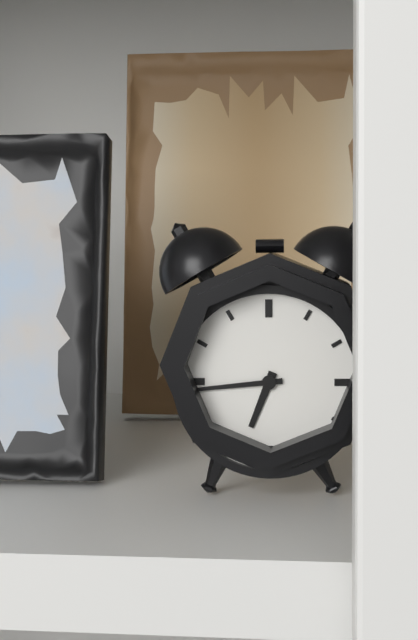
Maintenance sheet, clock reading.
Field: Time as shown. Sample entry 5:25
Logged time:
6:44
